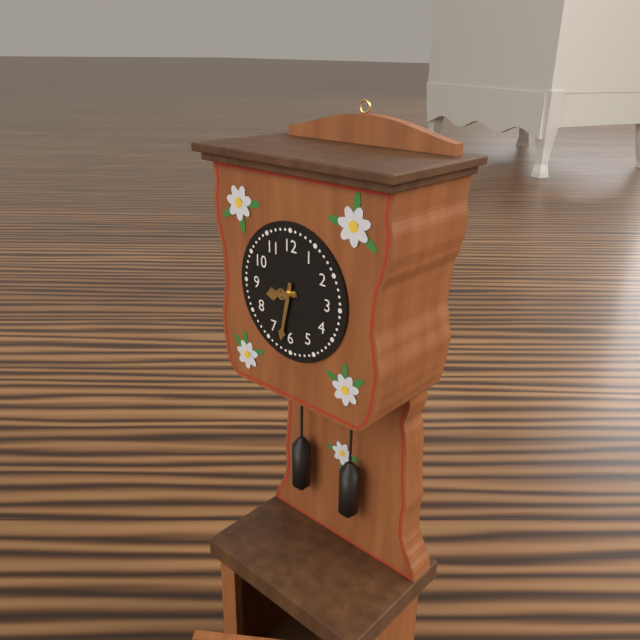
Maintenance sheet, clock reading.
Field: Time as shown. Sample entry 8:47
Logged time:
8:32
